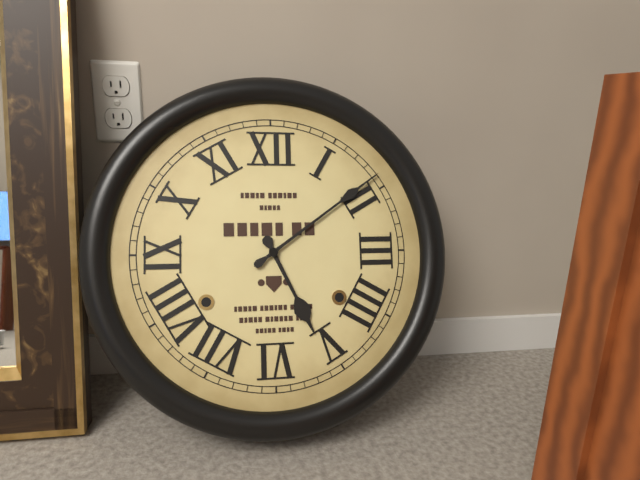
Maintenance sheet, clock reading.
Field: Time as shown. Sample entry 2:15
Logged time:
5:09
